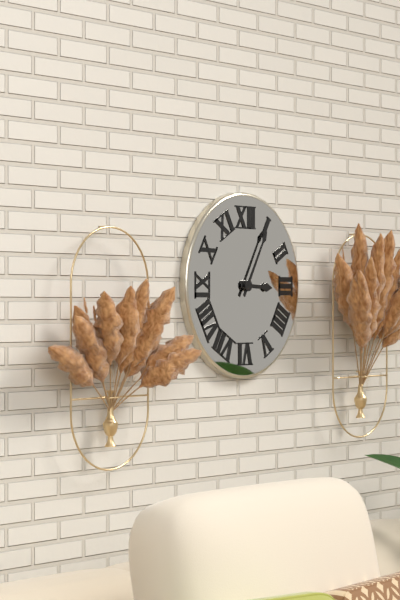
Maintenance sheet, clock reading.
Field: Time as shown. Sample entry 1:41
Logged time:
3:05
